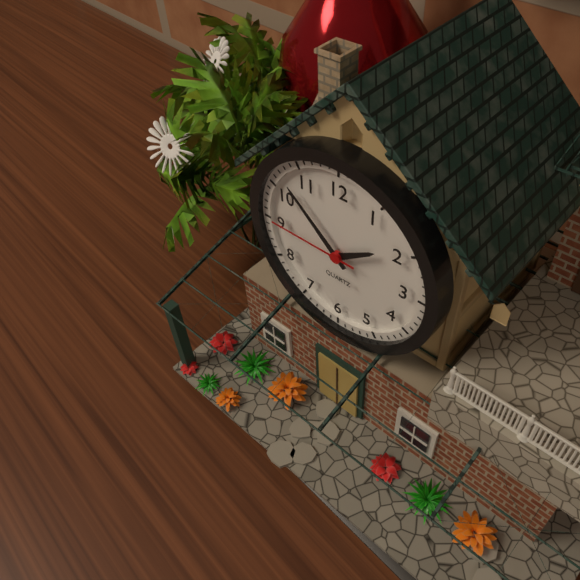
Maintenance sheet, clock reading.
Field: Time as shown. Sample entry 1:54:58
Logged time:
1:52:45
